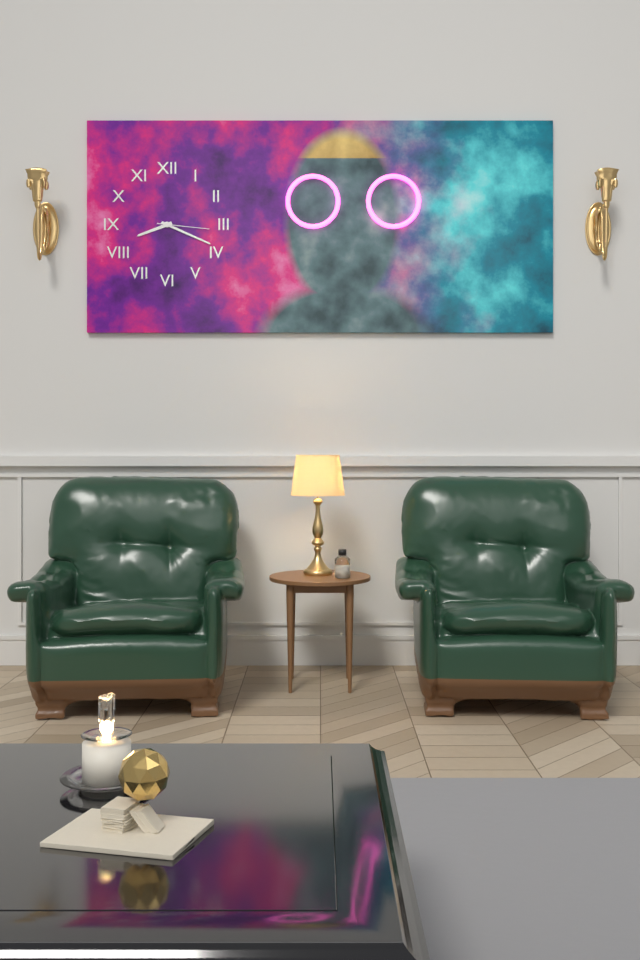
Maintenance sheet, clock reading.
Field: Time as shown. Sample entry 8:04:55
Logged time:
8:19:16
